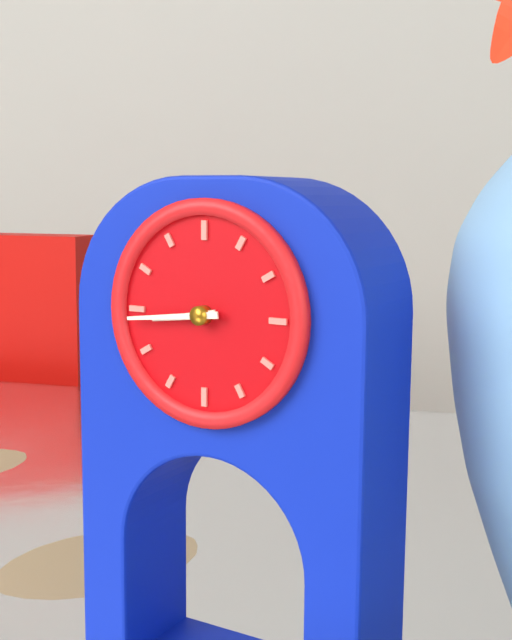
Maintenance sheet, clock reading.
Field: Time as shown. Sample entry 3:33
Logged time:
8:44
